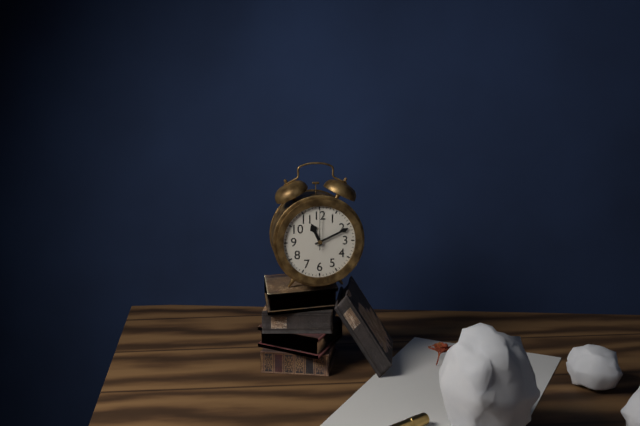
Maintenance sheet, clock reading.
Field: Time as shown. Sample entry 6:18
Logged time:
11:11
